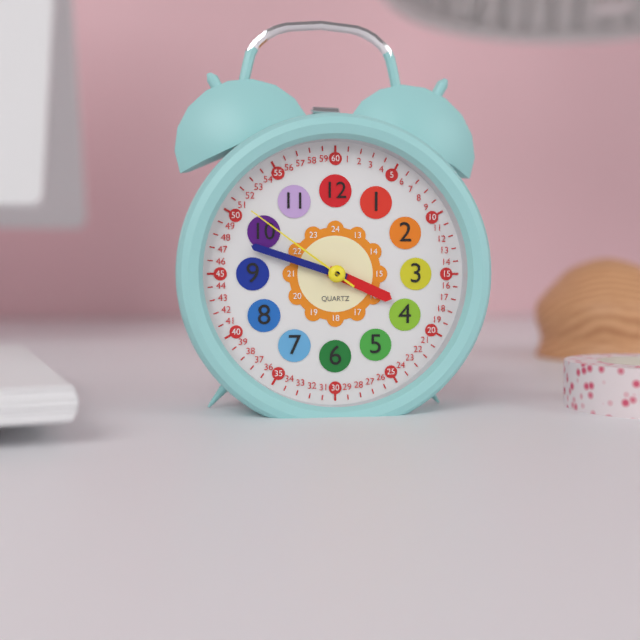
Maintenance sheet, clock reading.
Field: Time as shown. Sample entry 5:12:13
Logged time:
3:48:51
